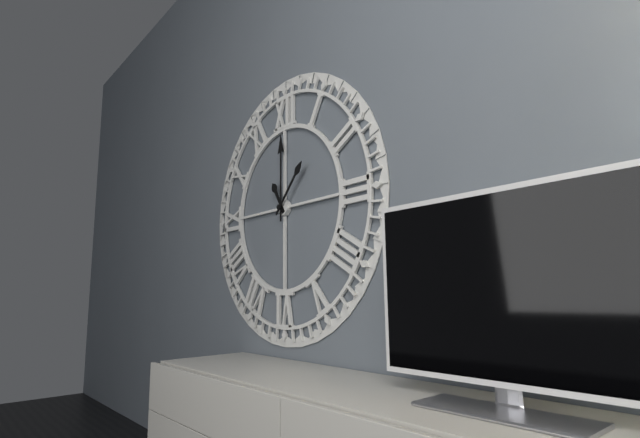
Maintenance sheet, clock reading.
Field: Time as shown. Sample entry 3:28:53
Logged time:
11:00:07
